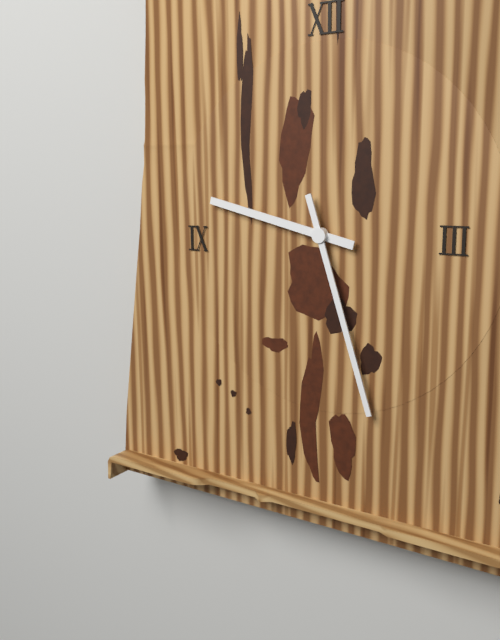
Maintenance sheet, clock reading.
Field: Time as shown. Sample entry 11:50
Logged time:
9:27
